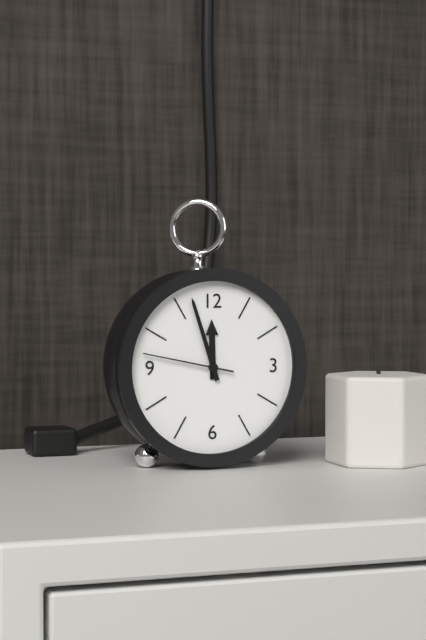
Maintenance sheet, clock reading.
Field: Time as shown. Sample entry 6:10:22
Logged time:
11:57:47
